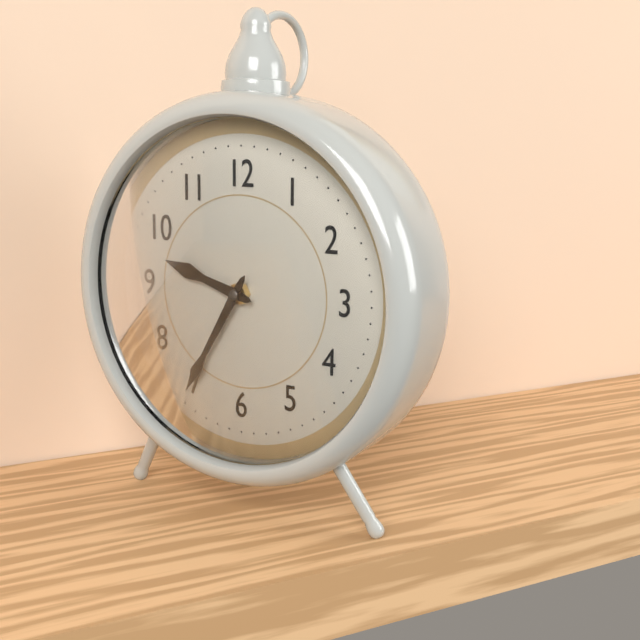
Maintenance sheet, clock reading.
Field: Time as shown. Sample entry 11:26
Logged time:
9:35
